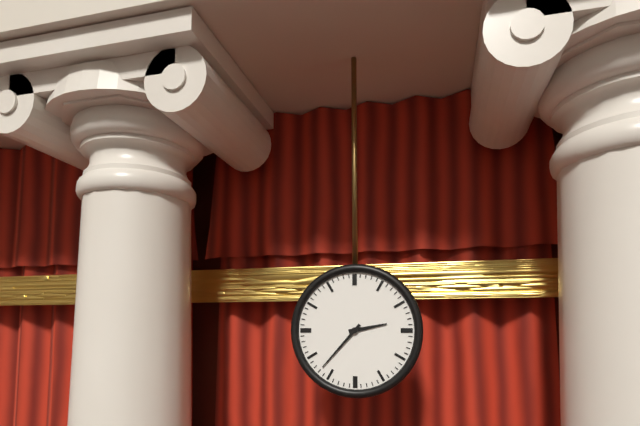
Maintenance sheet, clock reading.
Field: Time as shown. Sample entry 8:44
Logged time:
2:37
